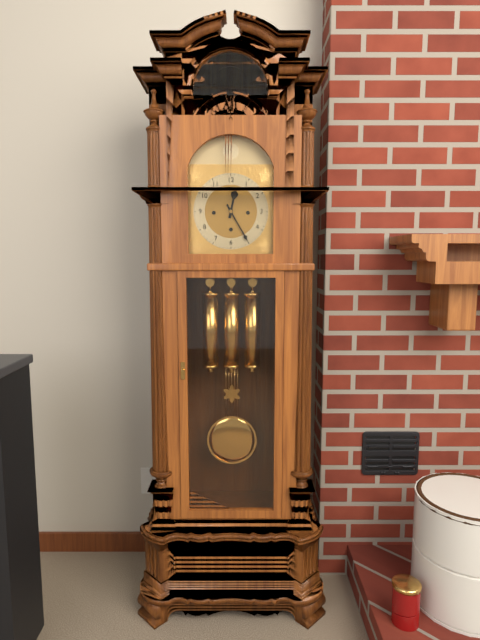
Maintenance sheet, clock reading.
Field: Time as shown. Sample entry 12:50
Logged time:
12:25
